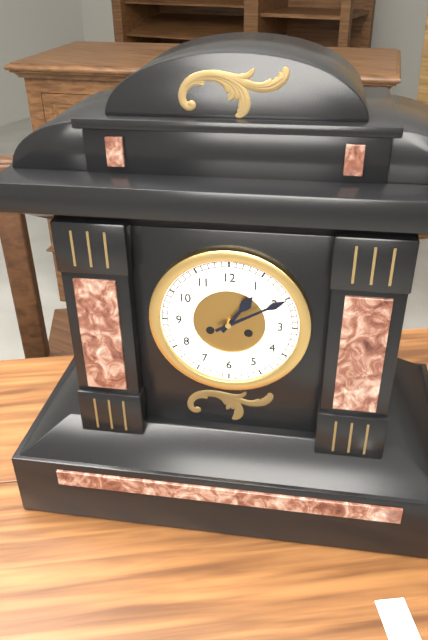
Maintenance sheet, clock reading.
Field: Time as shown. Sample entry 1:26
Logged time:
1:10
